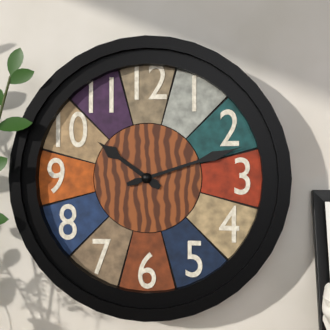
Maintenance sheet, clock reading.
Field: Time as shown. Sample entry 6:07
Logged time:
10:12
